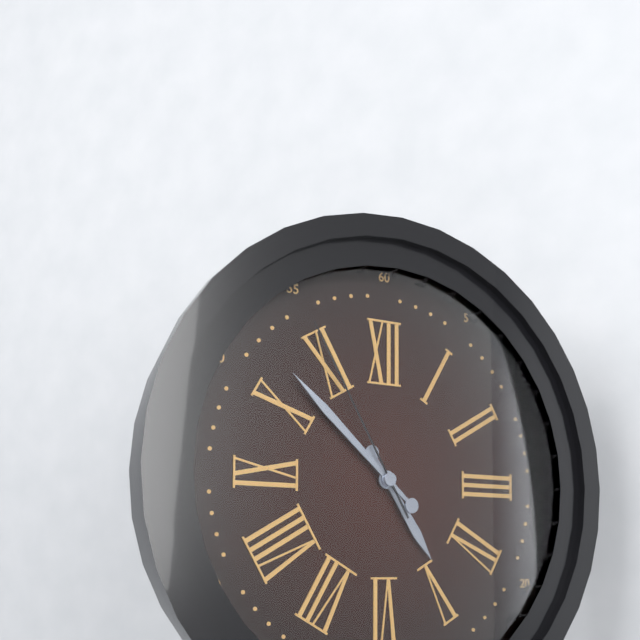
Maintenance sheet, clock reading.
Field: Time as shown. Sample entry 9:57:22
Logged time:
4:52:55
